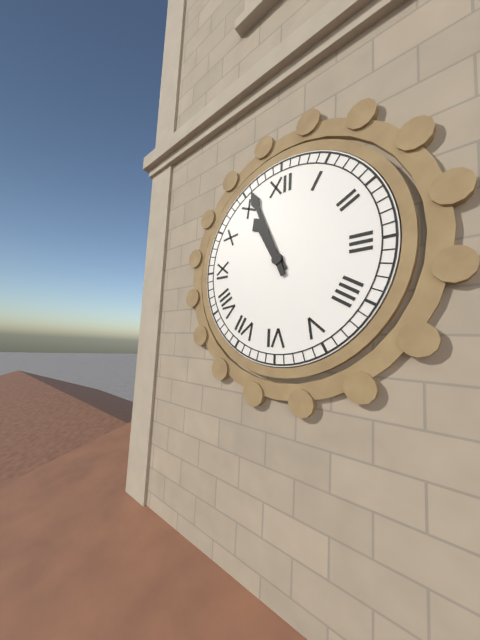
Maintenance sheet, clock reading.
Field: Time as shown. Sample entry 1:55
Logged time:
10:56
